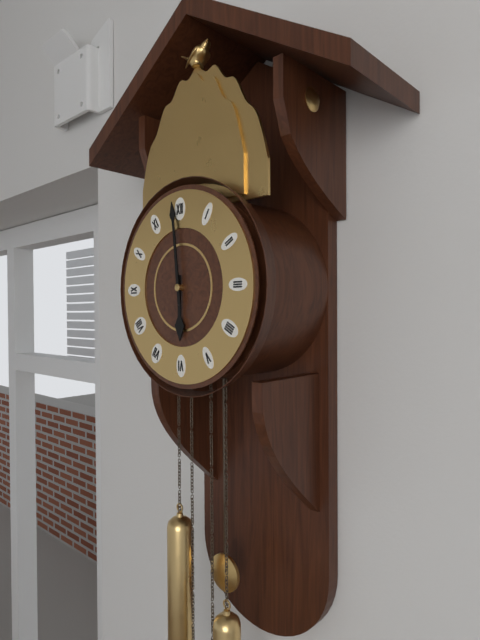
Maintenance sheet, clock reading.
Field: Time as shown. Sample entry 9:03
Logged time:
5:59
